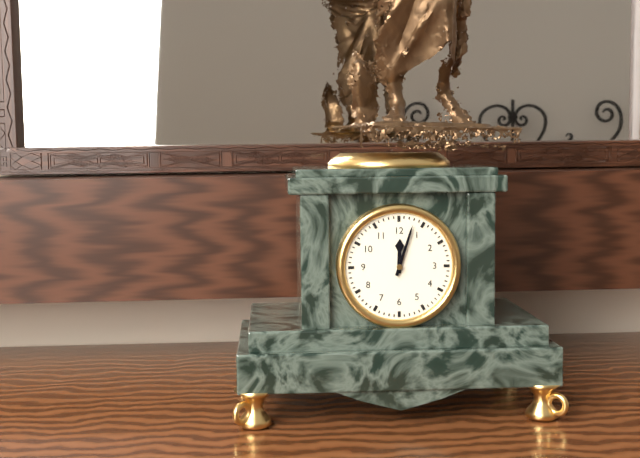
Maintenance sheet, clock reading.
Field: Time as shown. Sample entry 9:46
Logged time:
12:03
